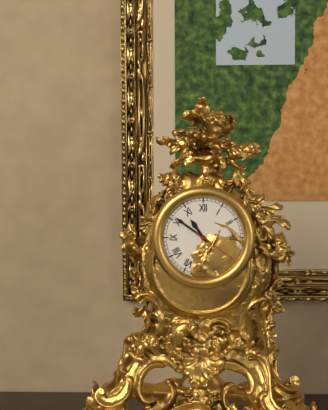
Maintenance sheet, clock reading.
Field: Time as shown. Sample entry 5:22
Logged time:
10:51
